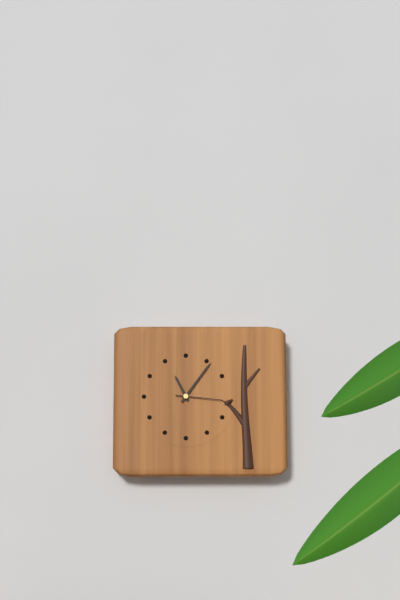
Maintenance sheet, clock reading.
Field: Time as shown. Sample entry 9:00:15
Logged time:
11:06:16
